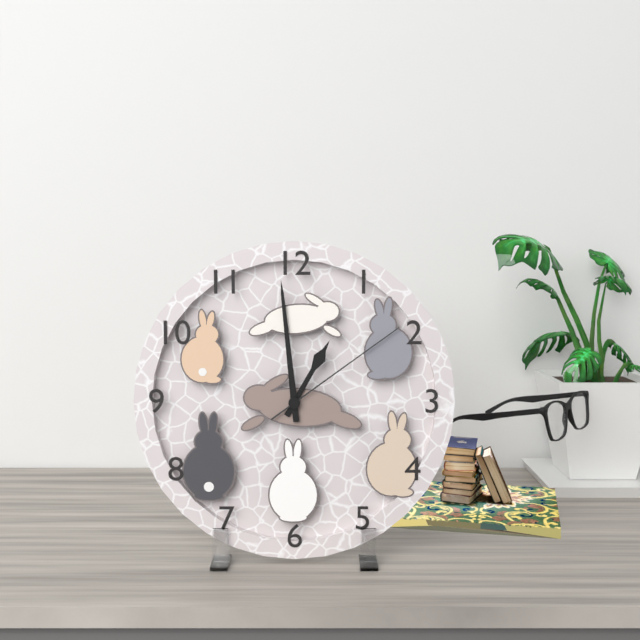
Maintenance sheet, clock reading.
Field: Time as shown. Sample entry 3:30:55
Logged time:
12:59:09
